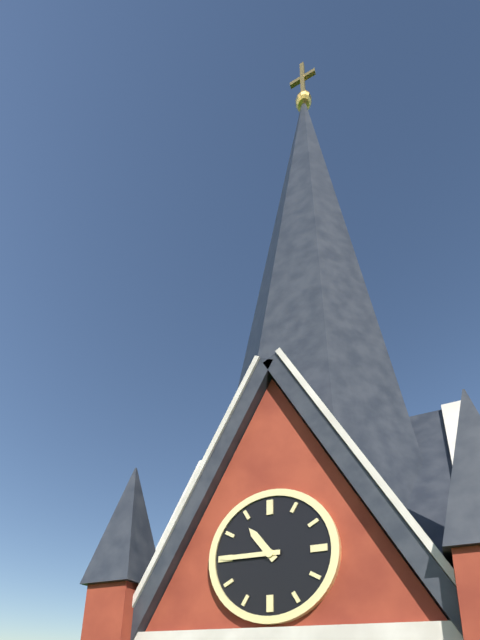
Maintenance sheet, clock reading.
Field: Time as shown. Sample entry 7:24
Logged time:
10:45
